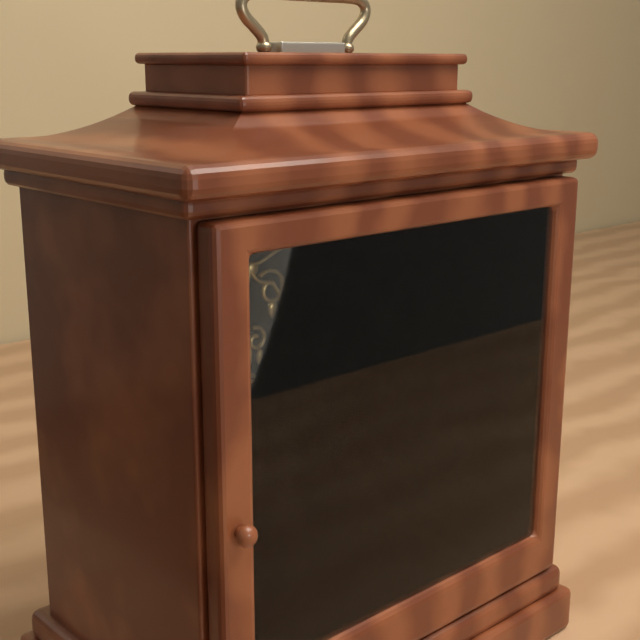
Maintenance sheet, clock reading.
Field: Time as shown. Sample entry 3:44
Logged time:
1:36
